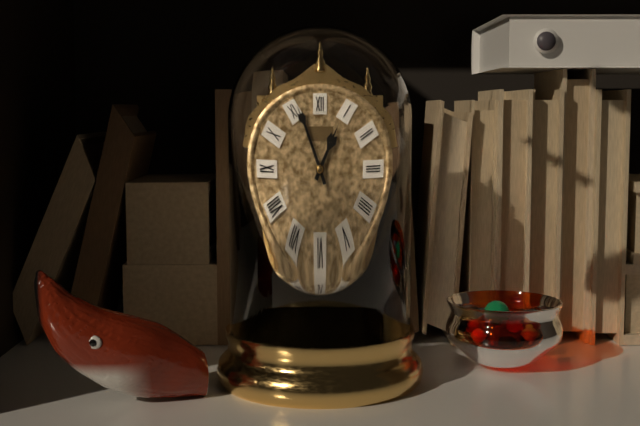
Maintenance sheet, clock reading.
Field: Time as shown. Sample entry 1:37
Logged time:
12:56
